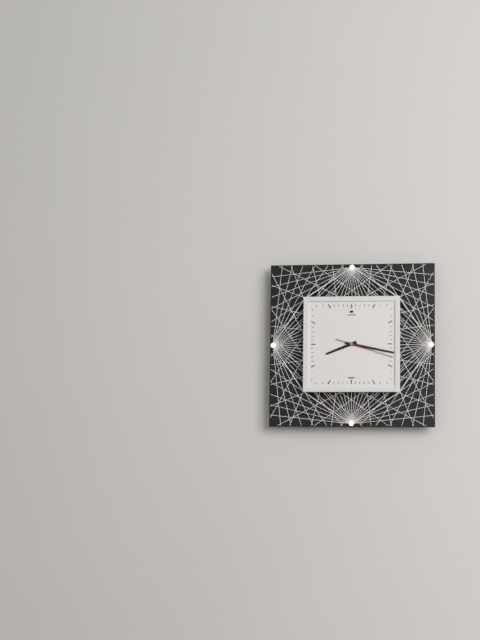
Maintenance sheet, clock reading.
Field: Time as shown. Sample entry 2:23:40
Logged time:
8:17:18
